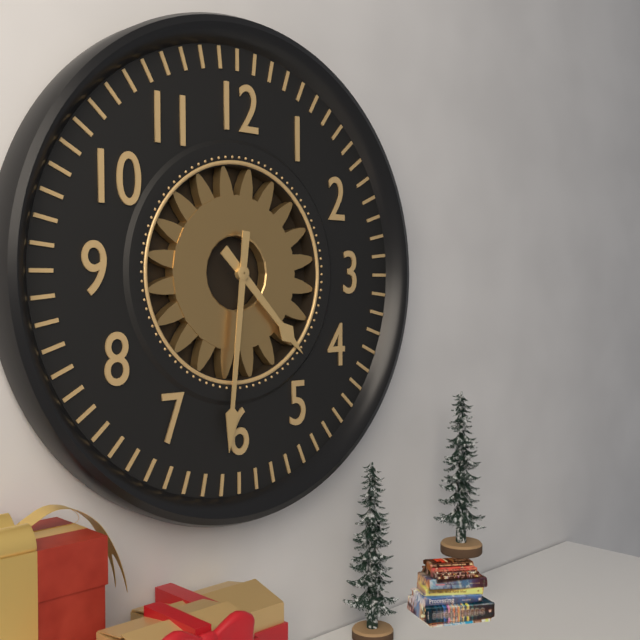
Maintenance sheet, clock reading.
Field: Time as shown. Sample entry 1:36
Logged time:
4:31
